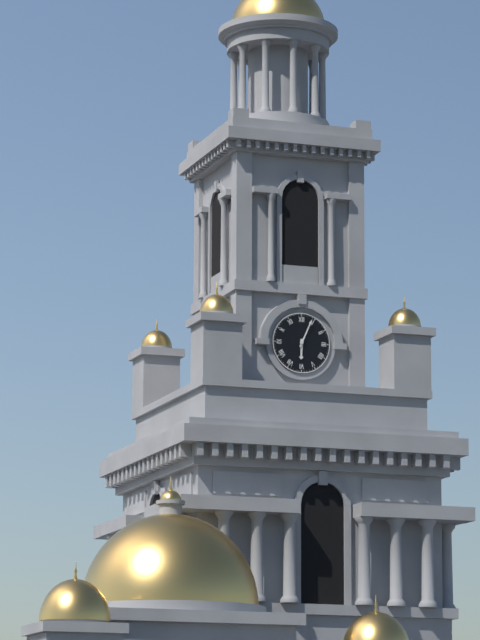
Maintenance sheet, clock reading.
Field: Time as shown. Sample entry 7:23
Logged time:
6:04
